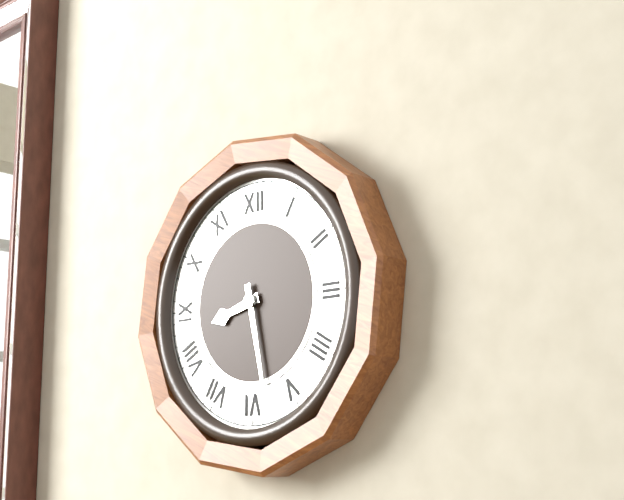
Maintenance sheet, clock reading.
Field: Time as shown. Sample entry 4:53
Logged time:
8:28
